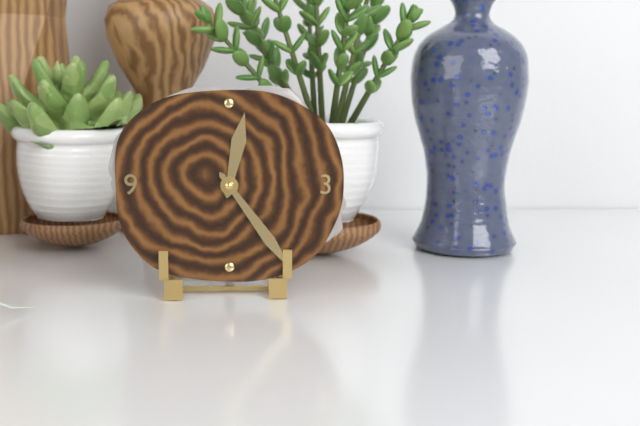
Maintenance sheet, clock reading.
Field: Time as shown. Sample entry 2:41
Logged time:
12:24
